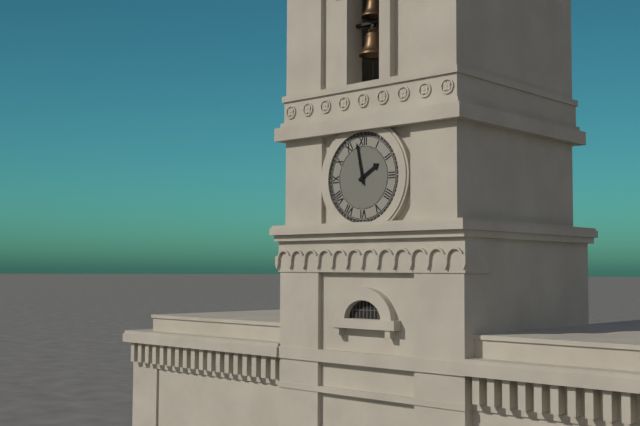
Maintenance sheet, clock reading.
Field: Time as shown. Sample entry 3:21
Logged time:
1:58
